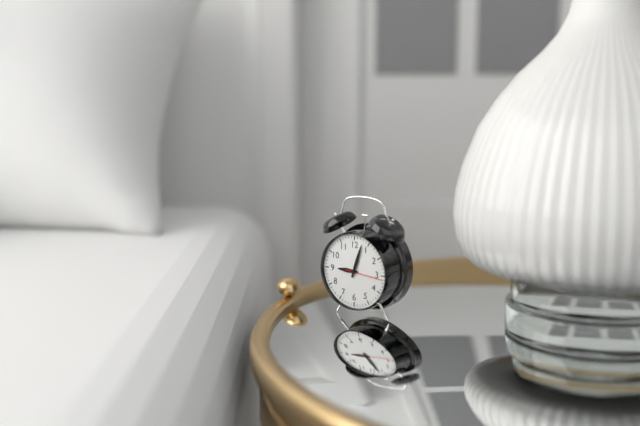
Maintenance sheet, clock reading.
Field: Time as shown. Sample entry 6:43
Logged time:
9:03
